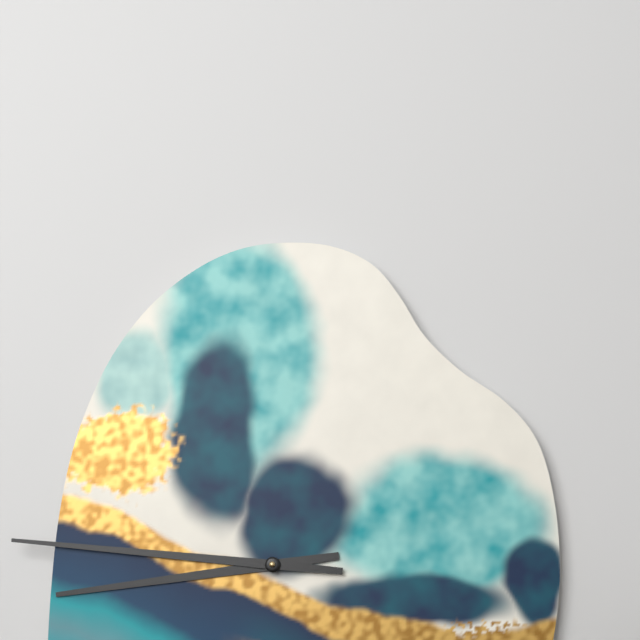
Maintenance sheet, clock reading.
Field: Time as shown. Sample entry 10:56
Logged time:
8:46
